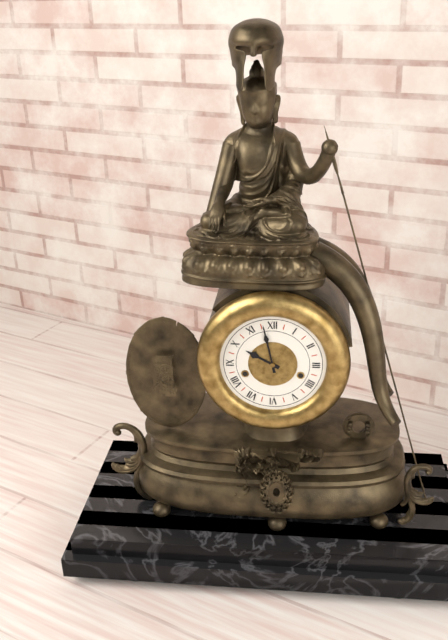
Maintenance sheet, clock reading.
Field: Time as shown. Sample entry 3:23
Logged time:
9:58
